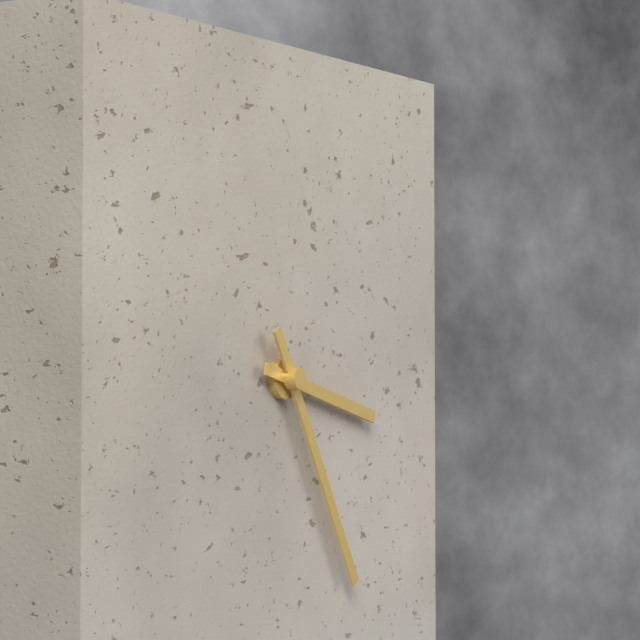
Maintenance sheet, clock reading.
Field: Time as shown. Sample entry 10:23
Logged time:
3:25
